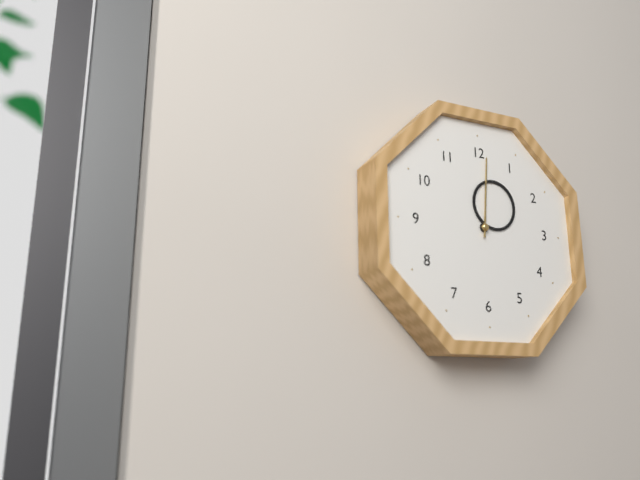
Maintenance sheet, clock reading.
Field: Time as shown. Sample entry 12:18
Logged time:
1:01
